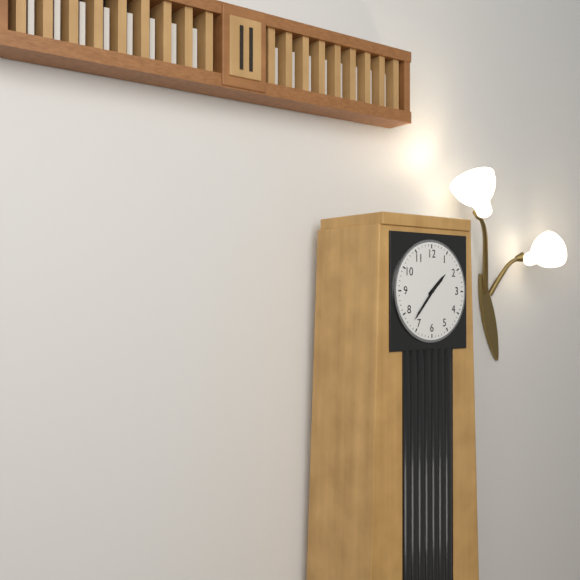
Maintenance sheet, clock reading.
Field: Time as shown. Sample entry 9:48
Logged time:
1:37
